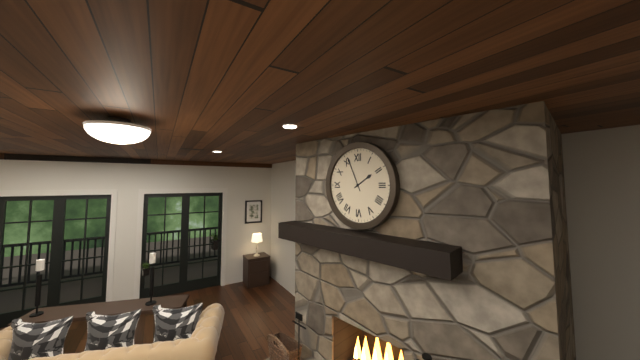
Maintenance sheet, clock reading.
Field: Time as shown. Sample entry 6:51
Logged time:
1:56
